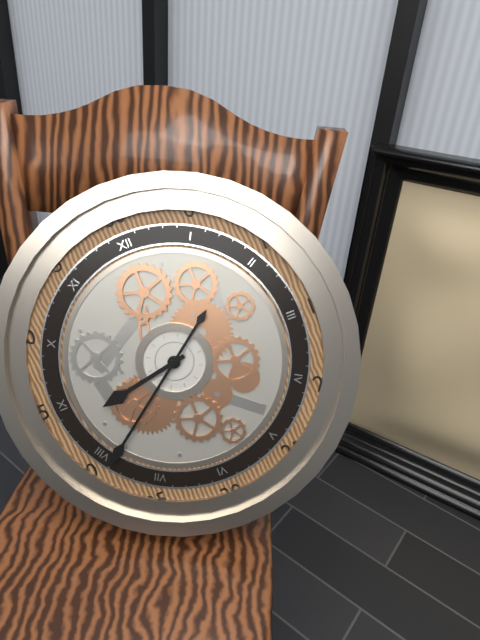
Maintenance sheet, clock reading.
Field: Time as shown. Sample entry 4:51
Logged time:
8:39
